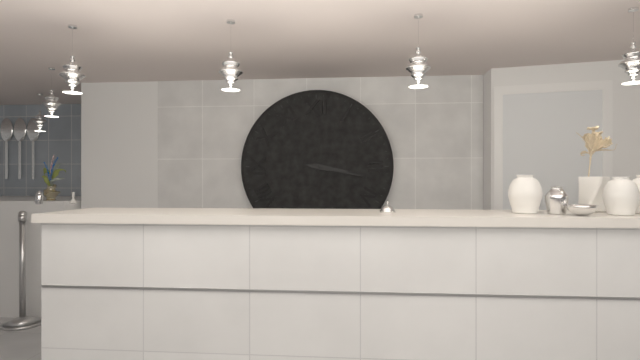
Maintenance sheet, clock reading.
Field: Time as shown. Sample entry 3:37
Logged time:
3:17
